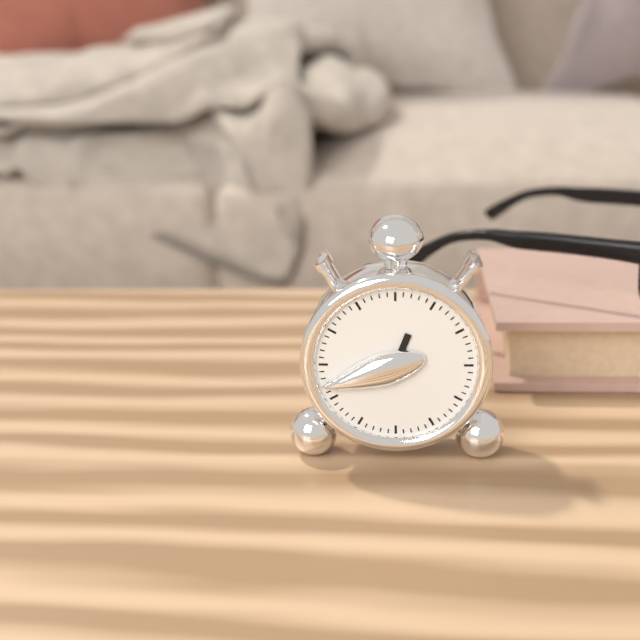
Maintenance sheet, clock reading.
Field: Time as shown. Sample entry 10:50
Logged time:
12:42
